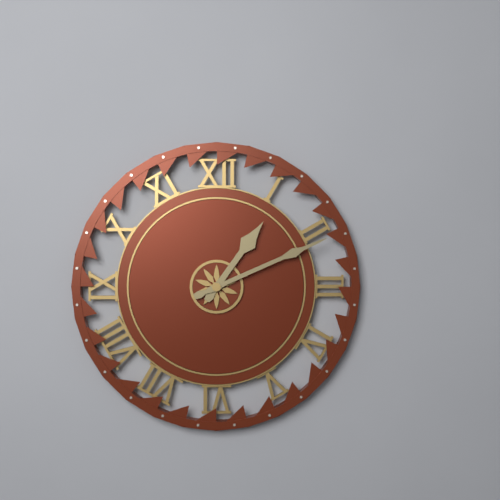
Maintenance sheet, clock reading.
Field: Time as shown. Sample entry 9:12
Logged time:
1:11
